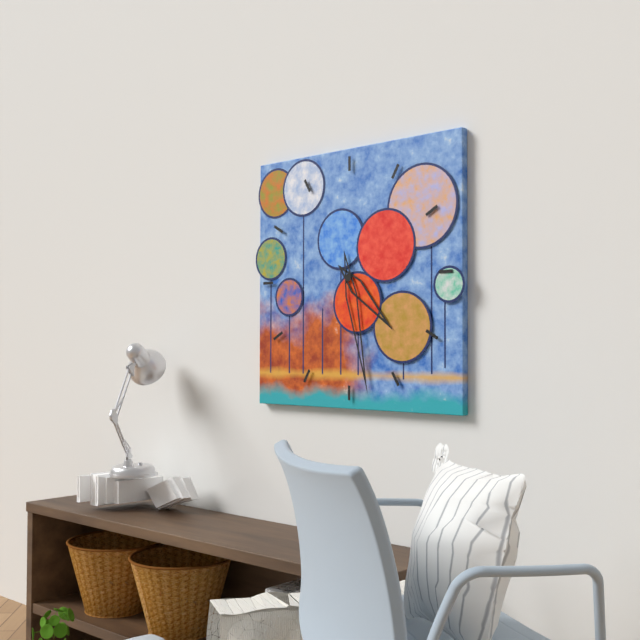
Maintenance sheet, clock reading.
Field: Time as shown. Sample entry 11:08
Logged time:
4:28
